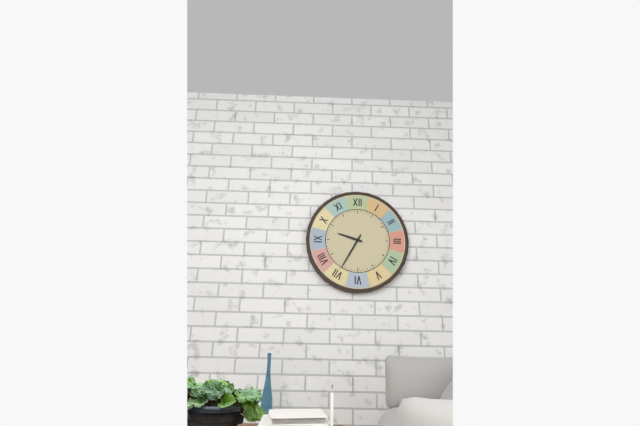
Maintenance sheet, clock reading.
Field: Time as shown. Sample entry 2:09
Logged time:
9:35
